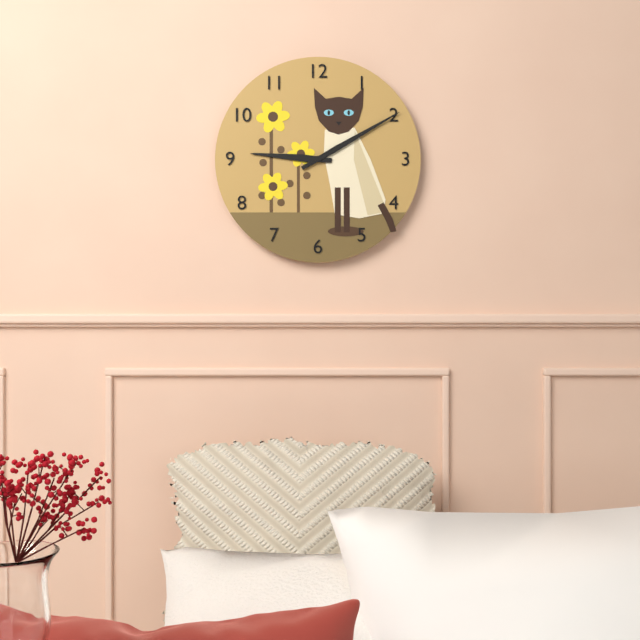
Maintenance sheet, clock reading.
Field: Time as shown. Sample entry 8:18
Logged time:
9:10
